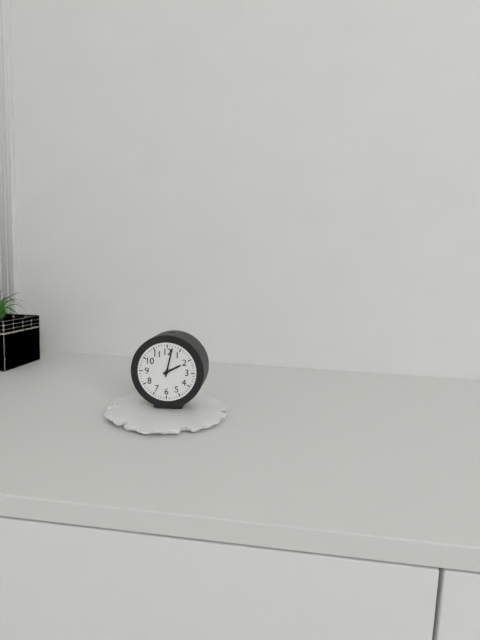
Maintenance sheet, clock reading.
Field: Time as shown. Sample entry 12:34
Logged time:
2:02
